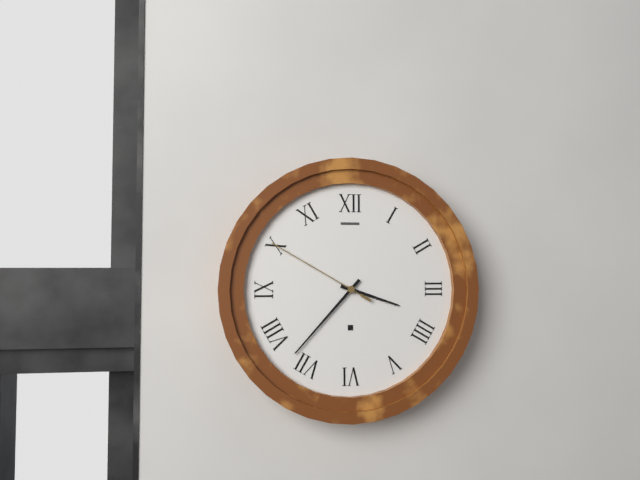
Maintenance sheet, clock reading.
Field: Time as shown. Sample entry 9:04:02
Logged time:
3:37:50
